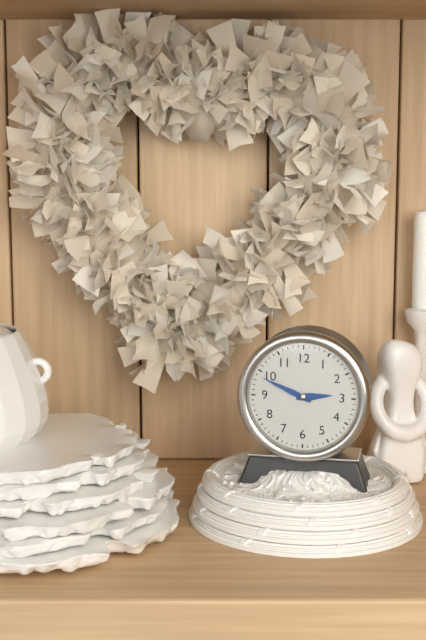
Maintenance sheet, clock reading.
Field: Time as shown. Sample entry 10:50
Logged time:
2:49
